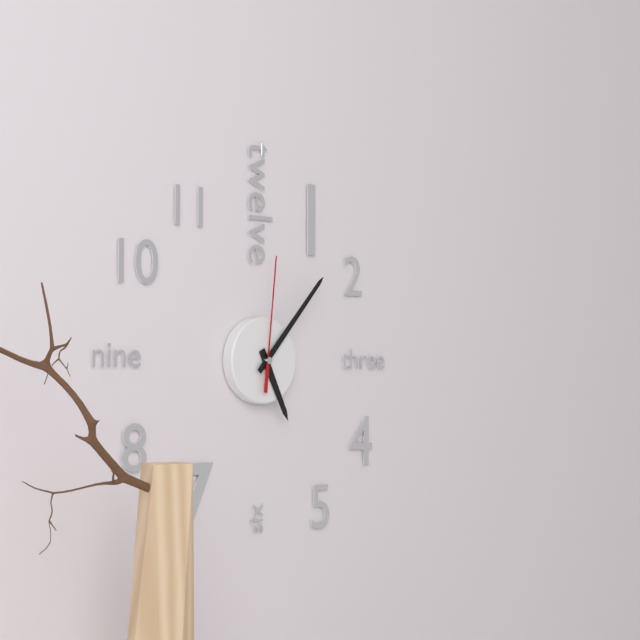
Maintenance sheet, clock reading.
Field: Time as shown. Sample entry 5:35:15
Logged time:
5:07:01
